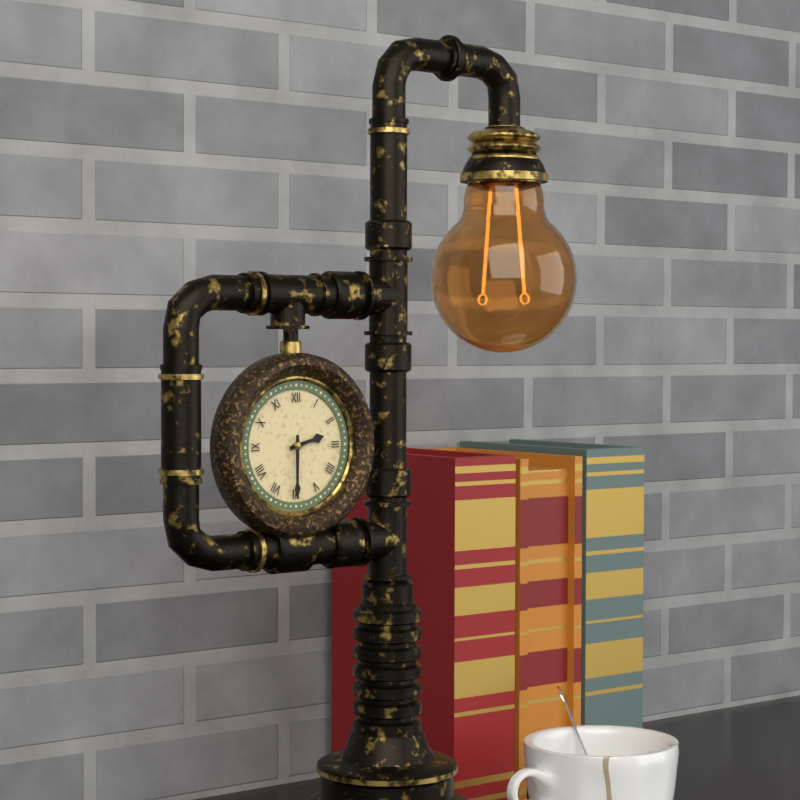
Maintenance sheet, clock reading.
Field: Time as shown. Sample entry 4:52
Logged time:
2:30
